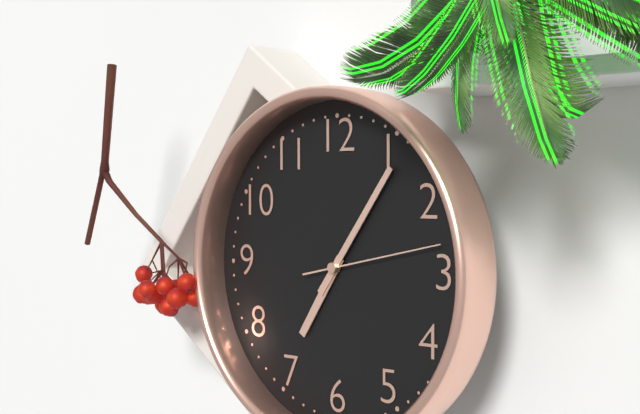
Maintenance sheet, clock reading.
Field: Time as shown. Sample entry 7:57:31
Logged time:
7:06:13
